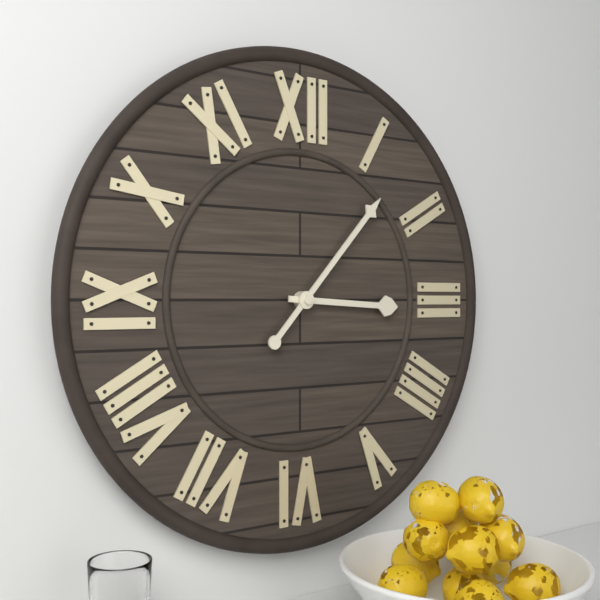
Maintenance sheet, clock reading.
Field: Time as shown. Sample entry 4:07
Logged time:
3:07
